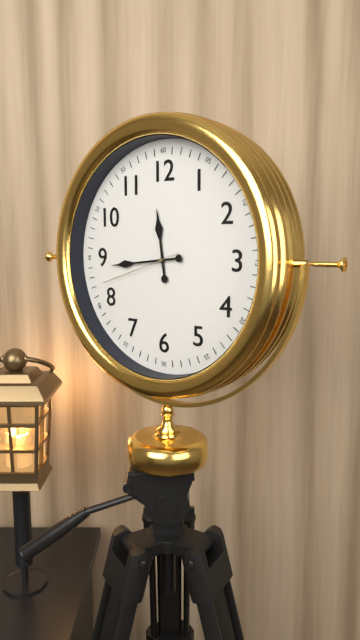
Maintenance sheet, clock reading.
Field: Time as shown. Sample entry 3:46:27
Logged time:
11:44:42
